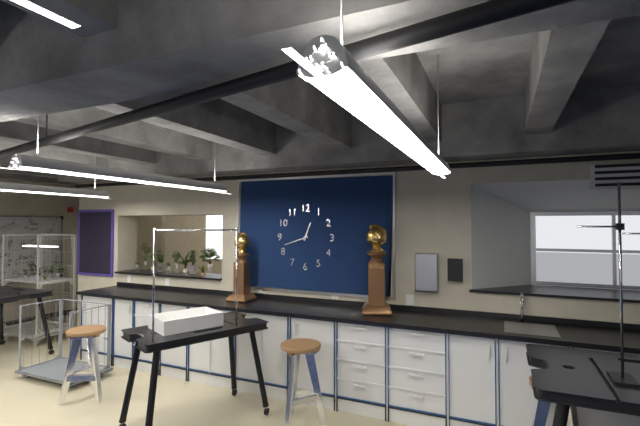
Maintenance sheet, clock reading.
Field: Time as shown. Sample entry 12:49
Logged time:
12:42
